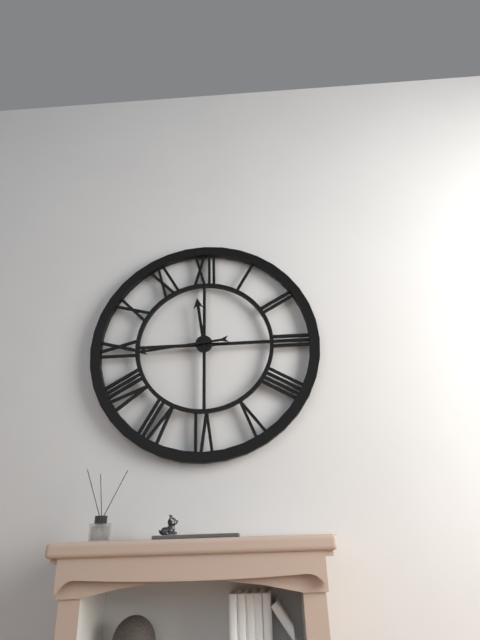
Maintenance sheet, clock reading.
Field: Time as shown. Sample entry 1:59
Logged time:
11:44
